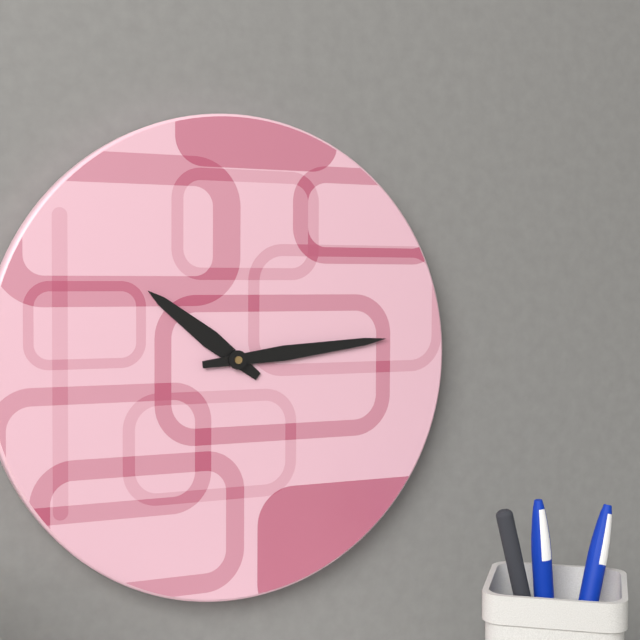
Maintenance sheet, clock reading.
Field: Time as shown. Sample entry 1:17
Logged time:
10:14
